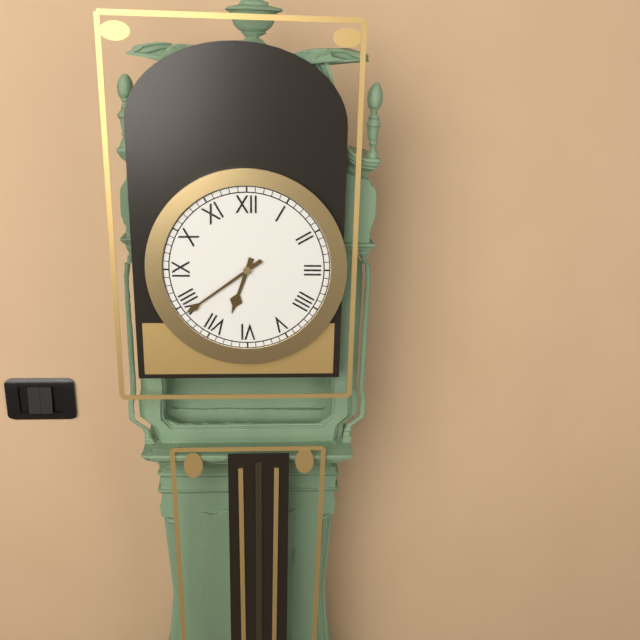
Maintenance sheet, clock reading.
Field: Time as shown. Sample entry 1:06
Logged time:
6:39
